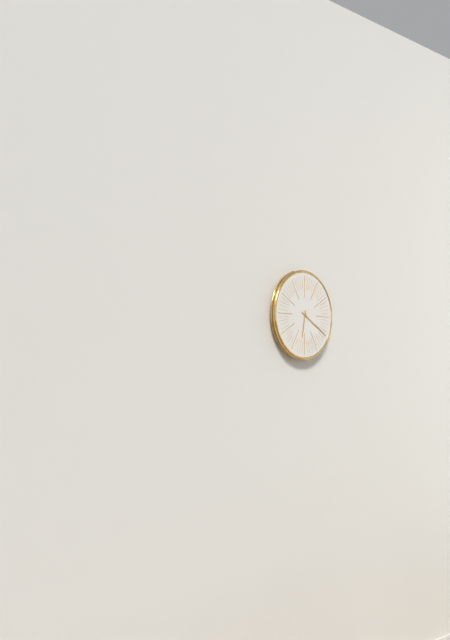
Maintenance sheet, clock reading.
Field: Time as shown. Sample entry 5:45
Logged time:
6:20
